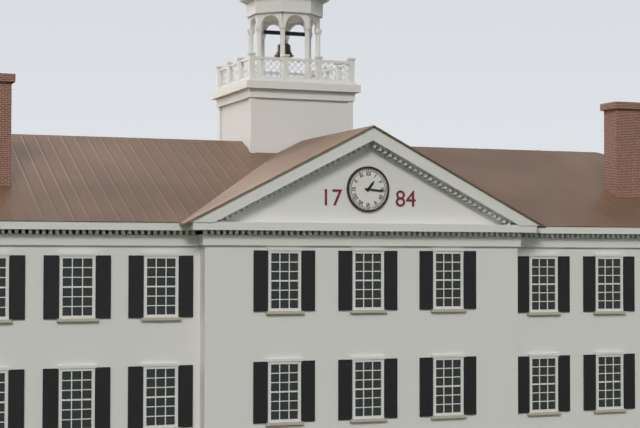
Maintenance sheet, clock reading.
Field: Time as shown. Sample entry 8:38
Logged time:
1:16
